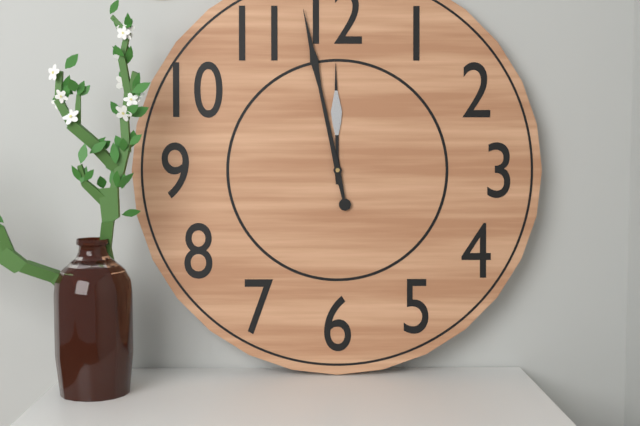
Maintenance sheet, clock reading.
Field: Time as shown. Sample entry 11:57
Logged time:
11:58
